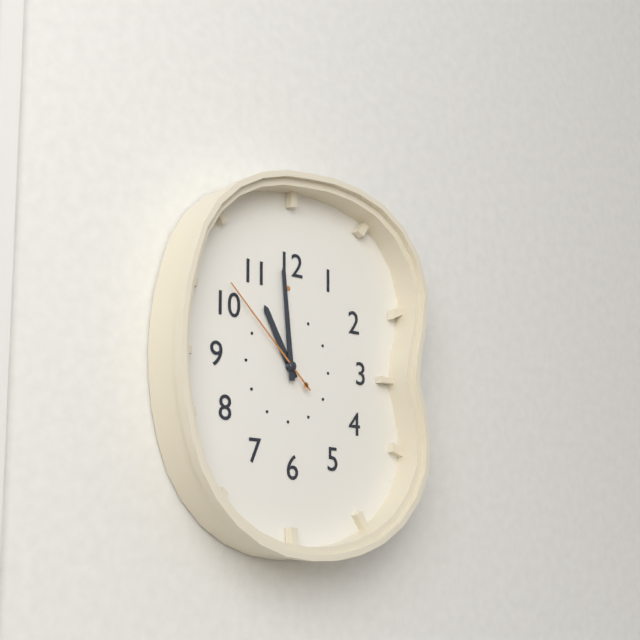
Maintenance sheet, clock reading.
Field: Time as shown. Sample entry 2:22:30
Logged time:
10:59:52
